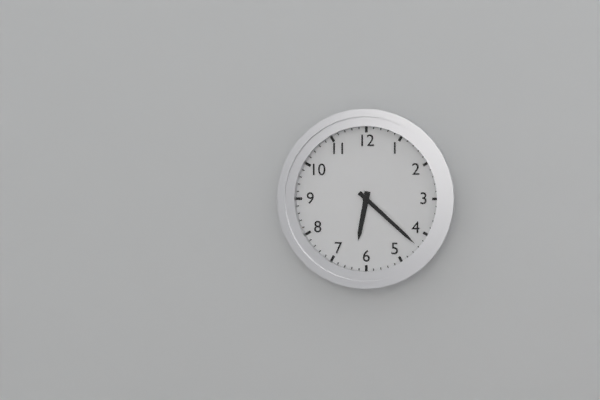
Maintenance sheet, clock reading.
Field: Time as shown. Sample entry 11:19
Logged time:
6:22
